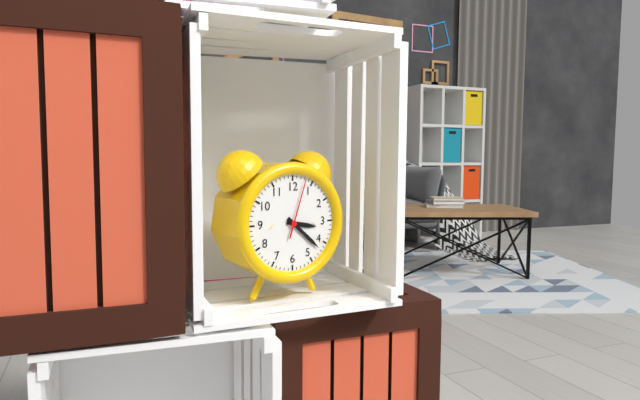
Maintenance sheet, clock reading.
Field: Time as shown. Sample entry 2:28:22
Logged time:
3:22:03
